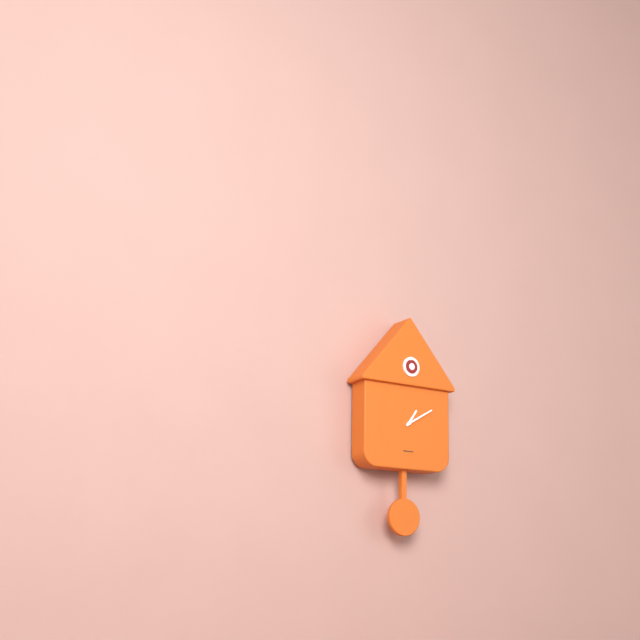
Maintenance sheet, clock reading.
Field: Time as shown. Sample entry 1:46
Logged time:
1:10
